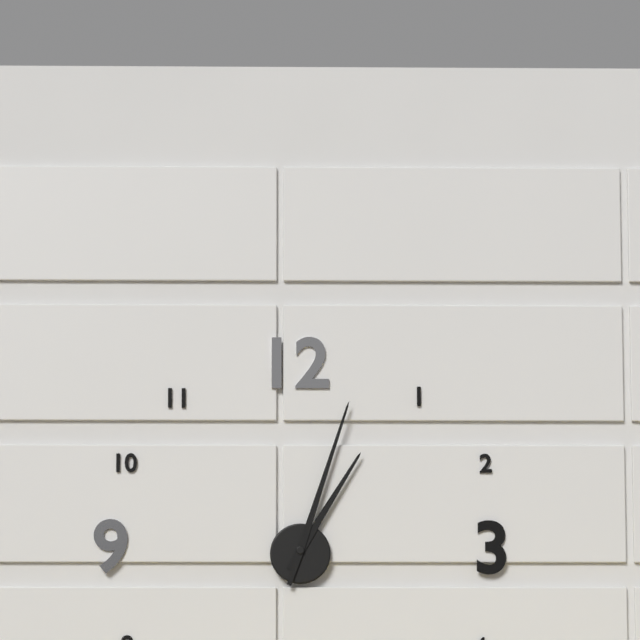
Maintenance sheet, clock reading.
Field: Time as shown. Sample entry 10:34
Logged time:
1:03
